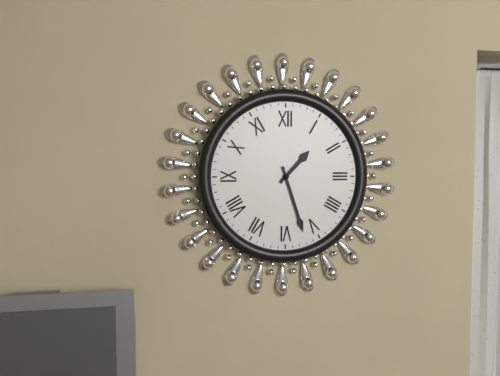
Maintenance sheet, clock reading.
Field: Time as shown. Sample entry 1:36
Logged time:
1:27
